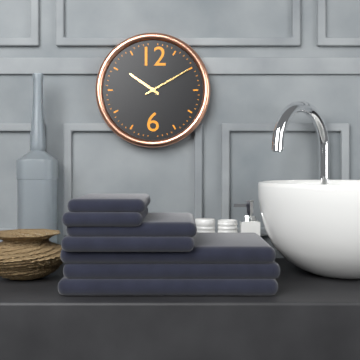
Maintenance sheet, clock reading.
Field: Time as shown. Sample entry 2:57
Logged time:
10:10
